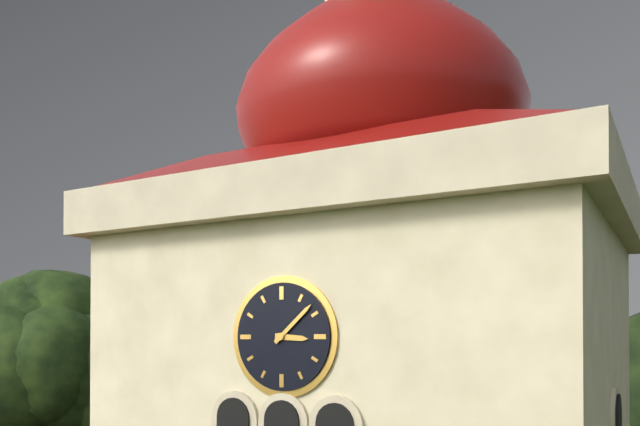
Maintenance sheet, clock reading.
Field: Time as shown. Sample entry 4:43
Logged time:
3:08
